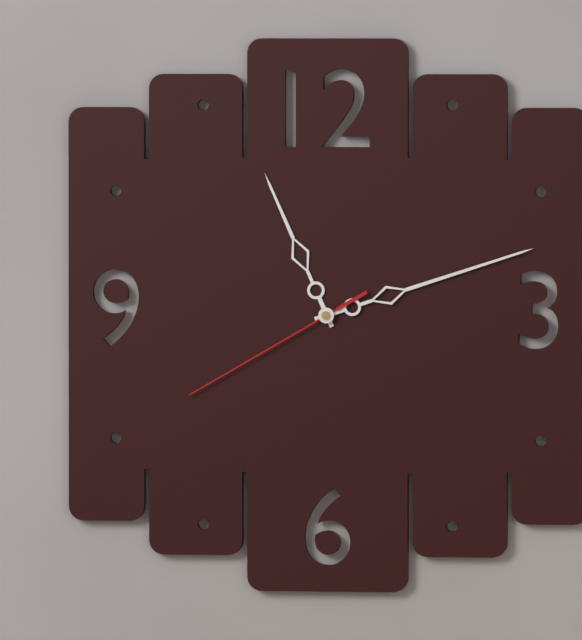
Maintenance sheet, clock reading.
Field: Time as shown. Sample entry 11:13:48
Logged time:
11:12:40
